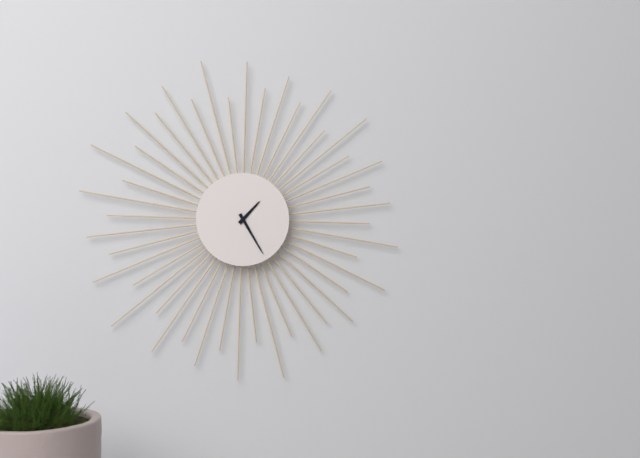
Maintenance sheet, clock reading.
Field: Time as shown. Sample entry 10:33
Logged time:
1:25
